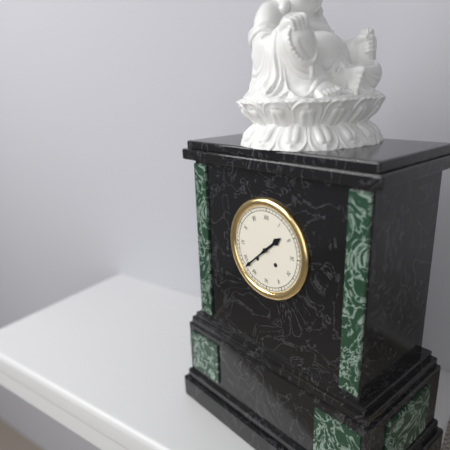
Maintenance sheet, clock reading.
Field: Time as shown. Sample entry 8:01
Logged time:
1:38
